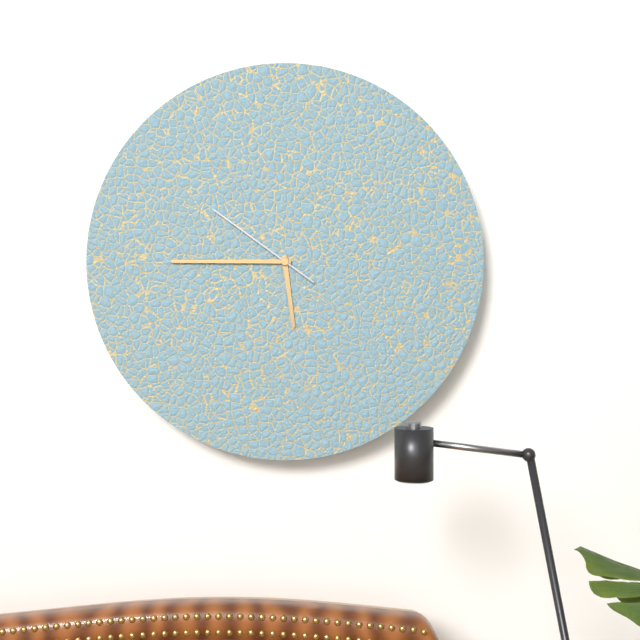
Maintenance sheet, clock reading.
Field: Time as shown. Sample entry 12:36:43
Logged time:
5:45:51
